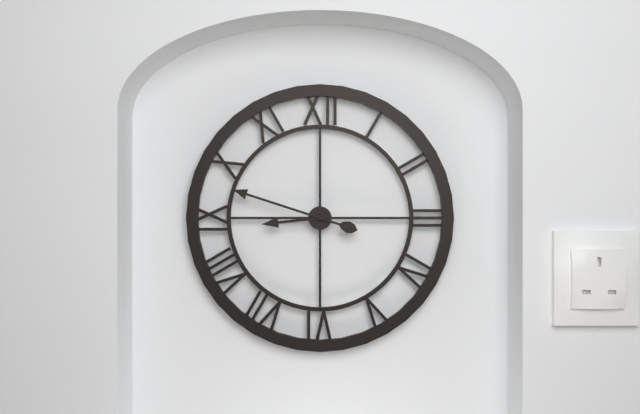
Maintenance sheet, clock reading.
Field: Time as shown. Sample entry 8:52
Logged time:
8:48
